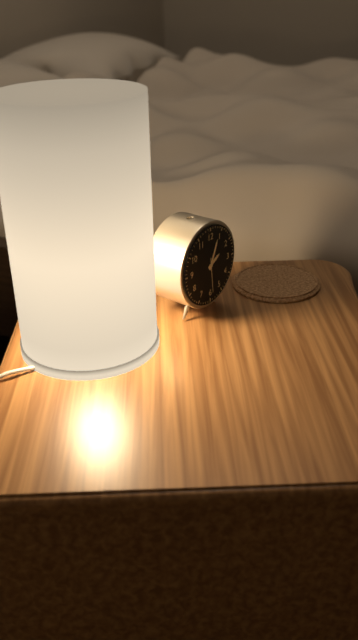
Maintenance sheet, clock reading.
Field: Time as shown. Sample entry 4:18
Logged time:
2:04
